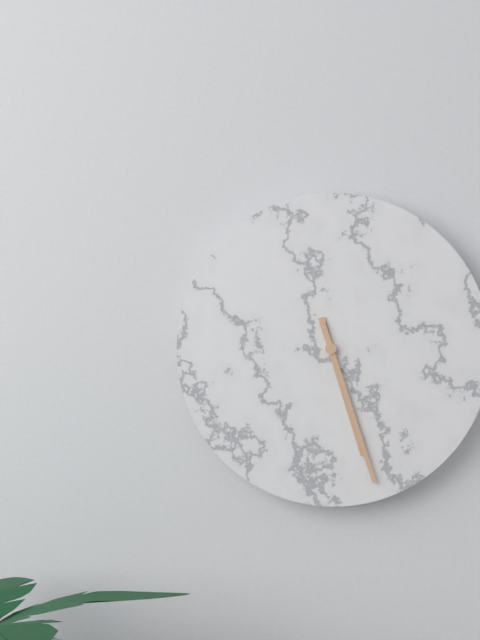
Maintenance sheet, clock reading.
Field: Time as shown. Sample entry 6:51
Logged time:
5:27
